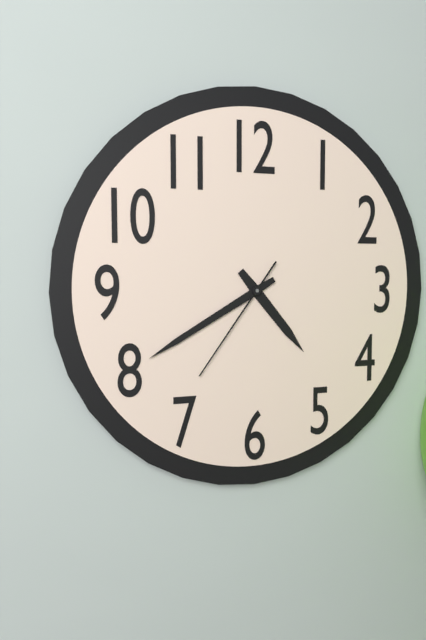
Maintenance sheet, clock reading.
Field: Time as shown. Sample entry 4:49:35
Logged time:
4:40:36
